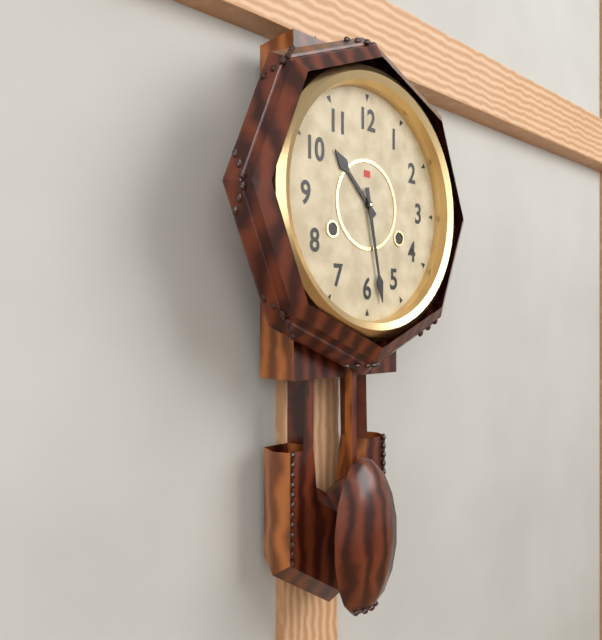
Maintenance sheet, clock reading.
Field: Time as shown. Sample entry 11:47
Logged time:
10:28
